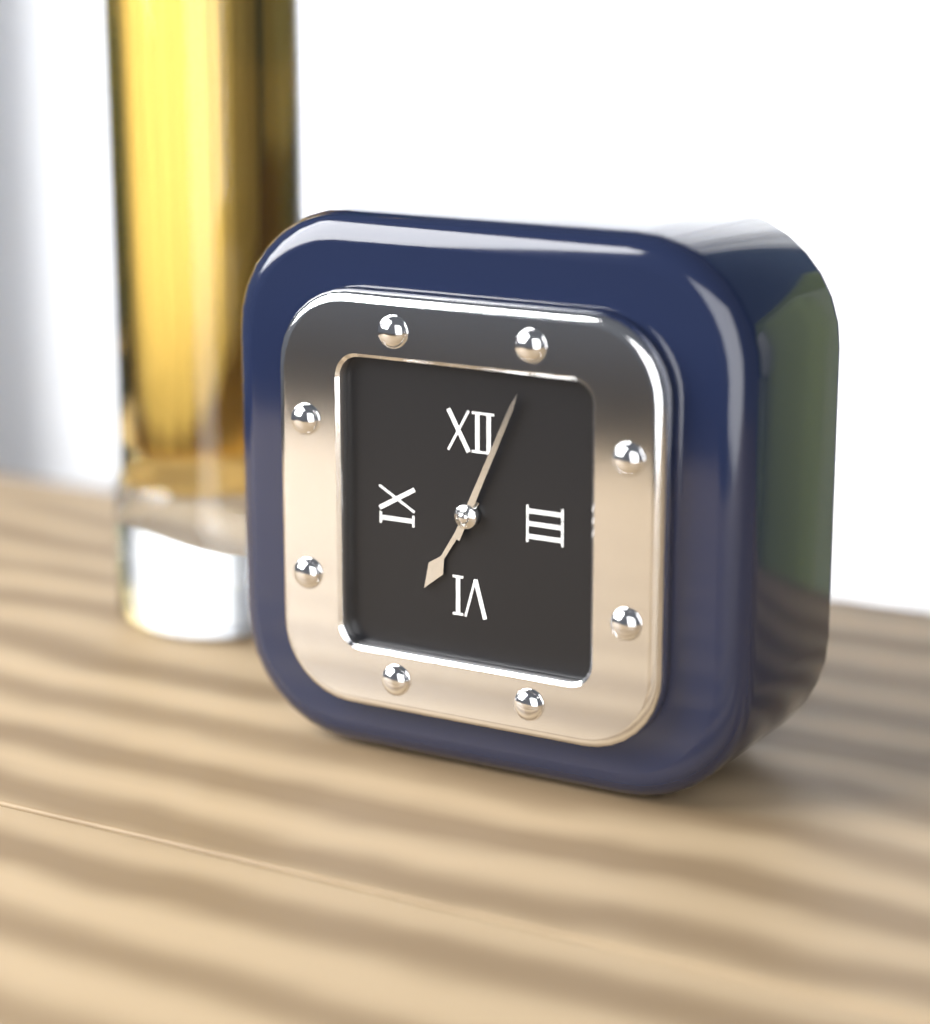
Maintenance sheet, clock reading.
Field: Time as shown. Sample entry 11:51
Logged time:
7:04
